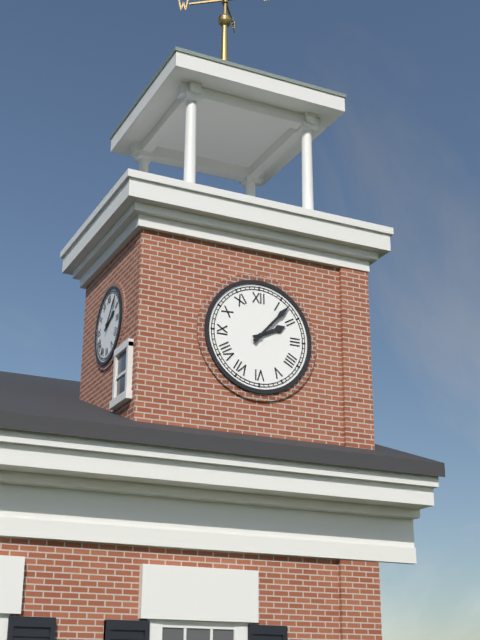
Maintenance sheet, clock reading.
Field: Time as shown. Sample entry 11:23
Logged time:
2:07
